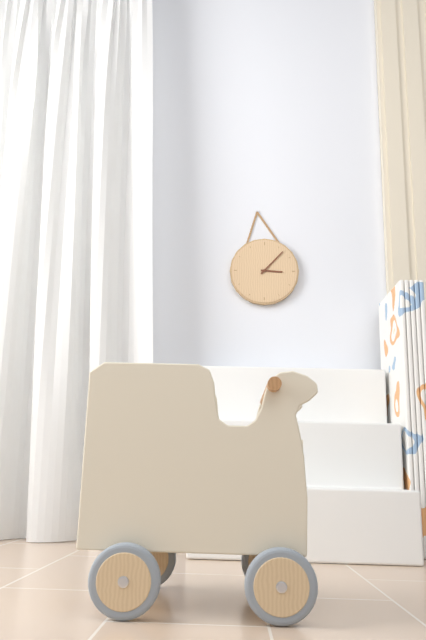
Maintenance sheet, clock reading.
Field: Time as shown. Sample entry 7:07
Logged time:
3:07
